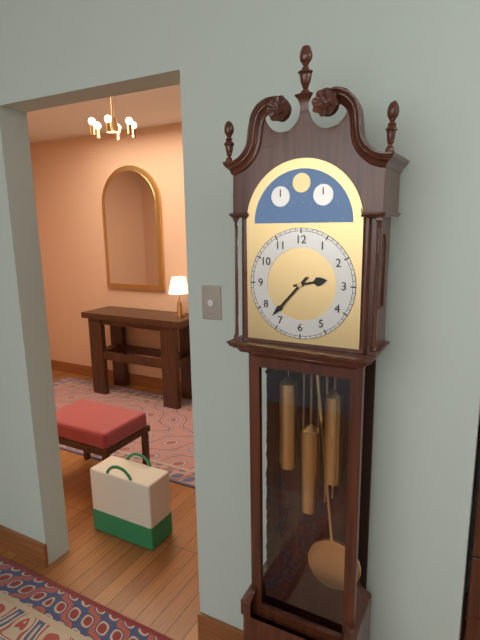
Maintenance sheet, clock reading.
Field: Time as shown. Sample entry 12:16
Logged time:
2:37
